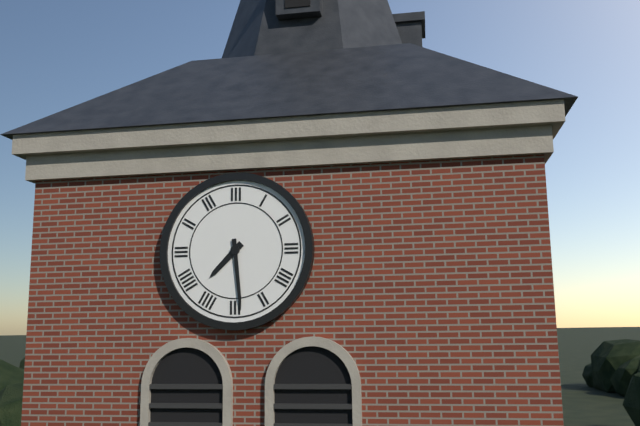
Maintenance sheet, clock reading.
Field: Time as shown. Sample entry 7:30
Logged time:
7:29
